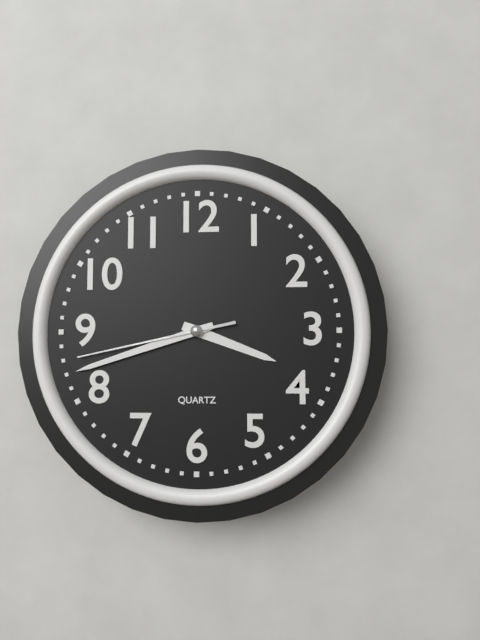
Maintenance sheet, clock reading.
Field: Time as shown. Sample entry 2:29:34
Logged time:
3:42:43
